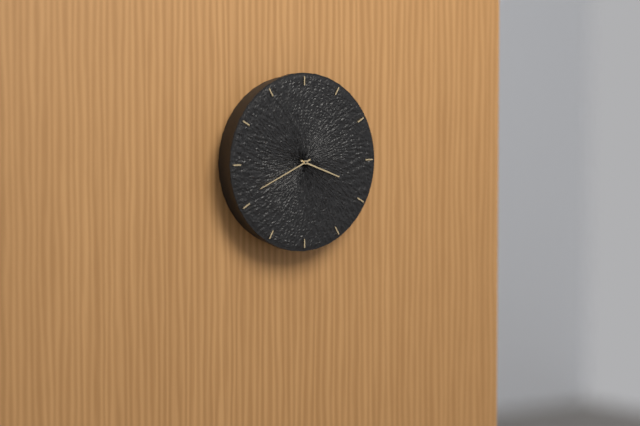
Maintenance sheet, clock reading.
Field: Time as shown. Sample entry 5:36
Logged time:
3:41
